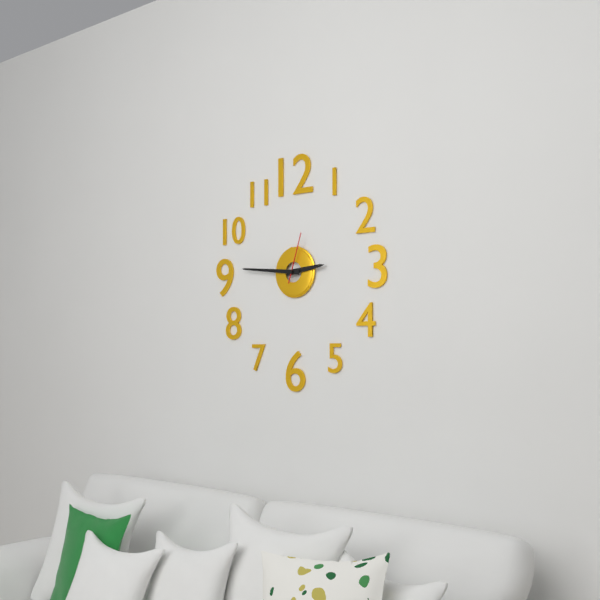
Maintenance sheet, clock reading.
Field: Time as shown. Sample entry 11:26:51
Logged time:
2:46:03
